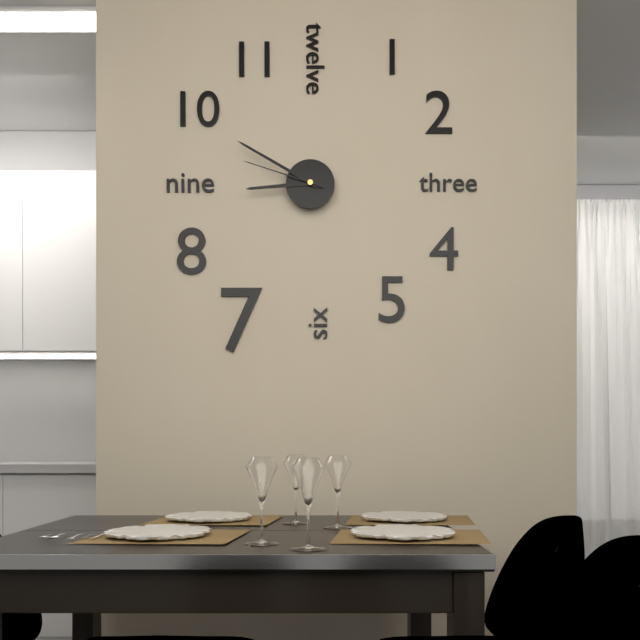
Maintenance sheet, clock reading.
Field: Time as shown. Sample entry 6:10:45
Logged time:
8:50:48
